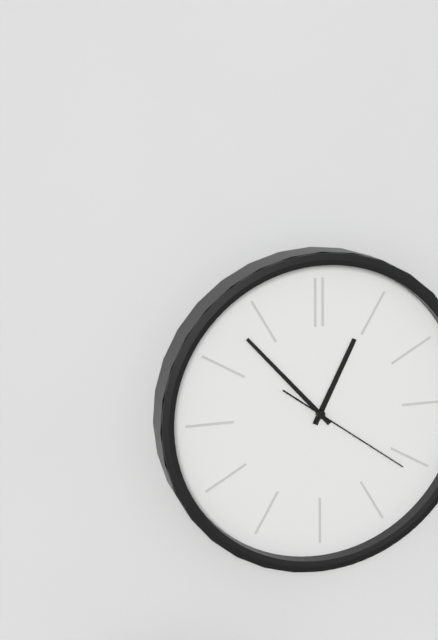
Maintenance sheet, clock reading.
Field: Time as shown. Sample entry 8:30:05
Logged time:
12:53:21
